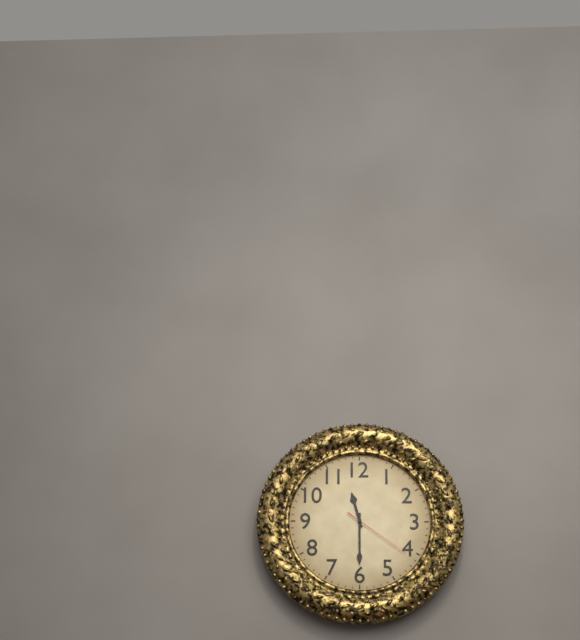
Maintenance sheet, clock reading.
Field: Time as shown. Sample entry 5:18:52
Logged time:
11:30:21
